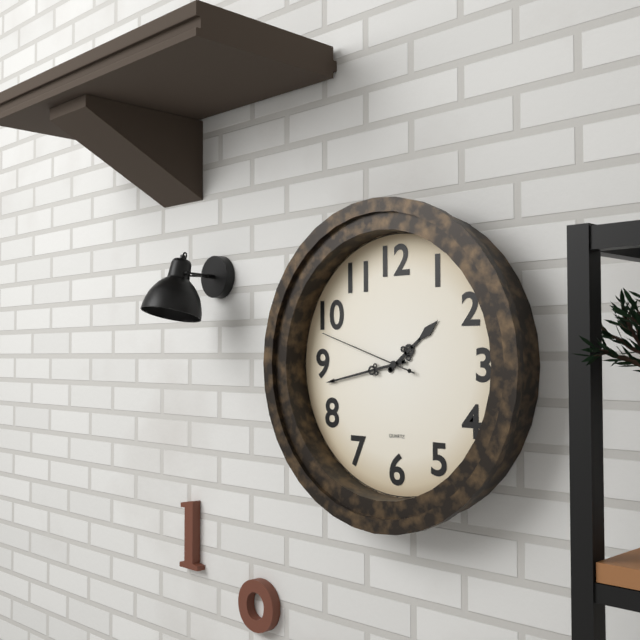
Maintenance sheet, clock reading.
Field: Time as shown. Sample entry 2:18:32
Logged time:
1:43:48
